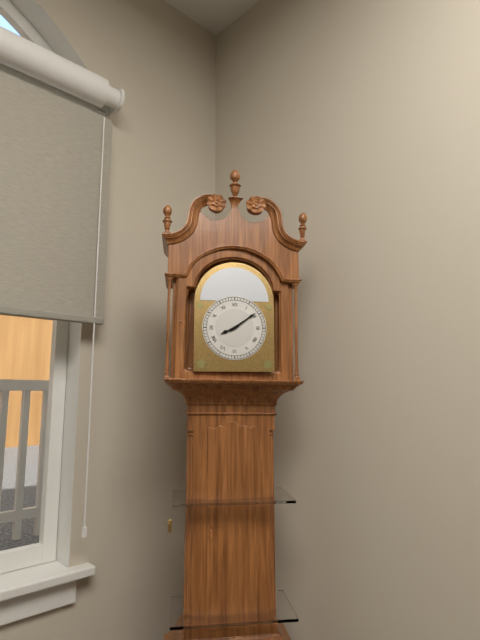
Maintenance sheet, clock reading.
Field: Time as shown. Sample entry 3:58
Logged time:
8:09
